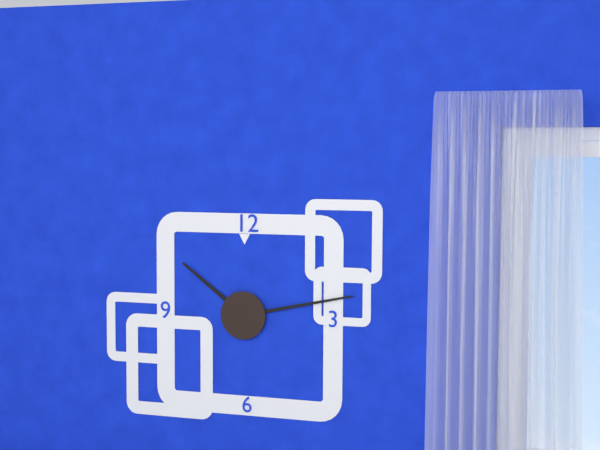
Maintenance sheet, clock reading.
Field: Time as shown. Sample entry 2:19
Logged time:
10:13
